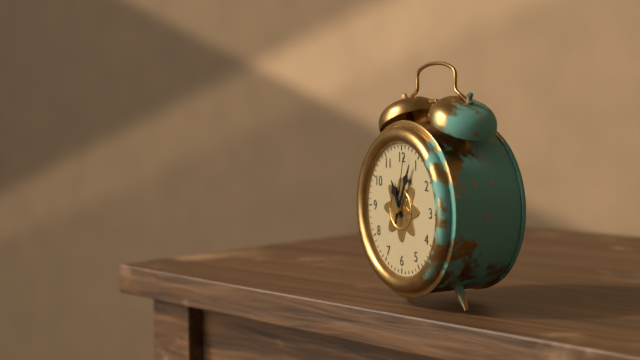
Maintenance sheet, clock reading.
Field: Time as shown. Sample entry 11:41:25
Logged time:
11:04:02
